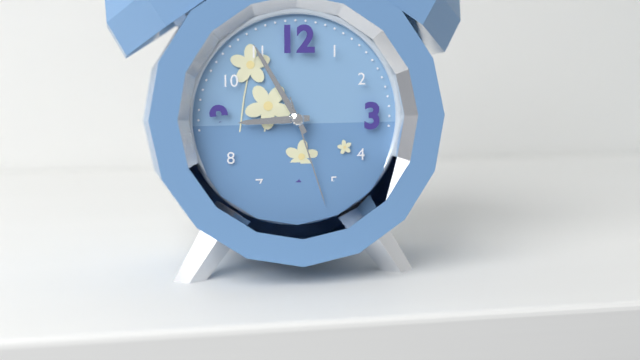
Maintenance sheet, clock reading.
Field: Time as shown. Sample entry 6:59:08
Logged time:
8:55:27
